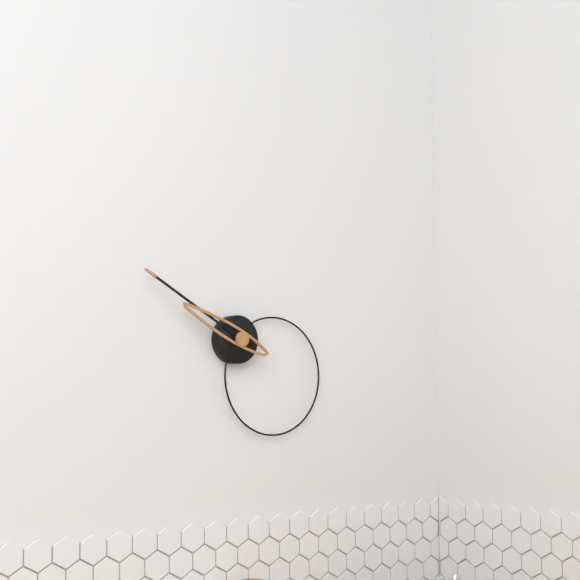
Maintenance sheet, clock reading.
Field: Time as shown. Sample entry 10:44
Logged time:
9:50
